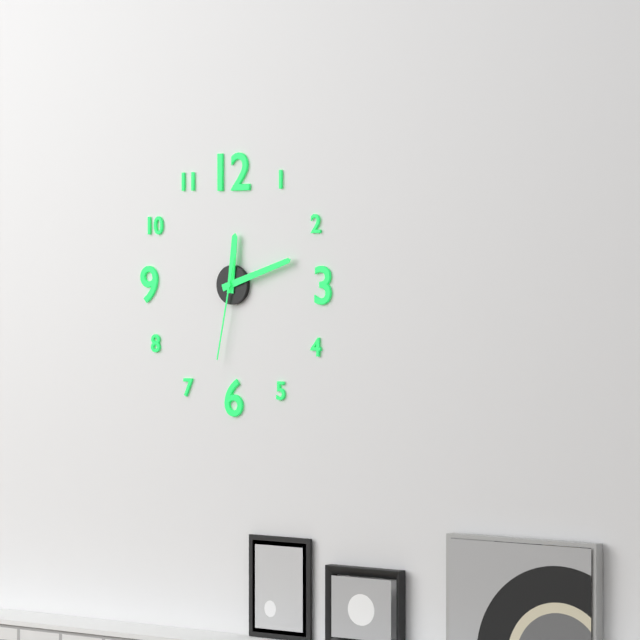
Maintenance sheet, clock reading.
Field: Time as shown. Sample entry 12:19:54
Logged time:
12:12:32
